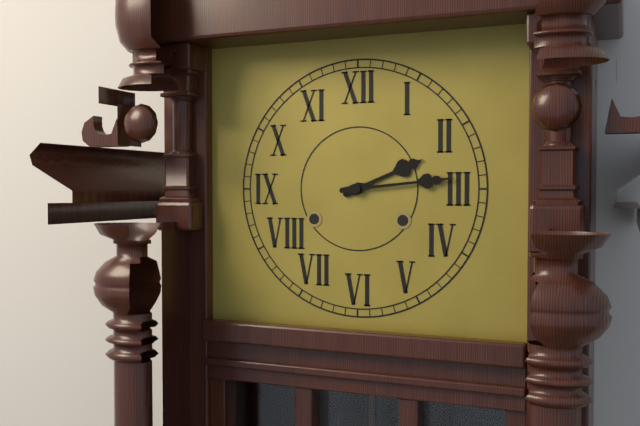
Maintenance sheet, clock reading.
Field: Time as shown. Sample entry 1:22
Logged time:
2:14
